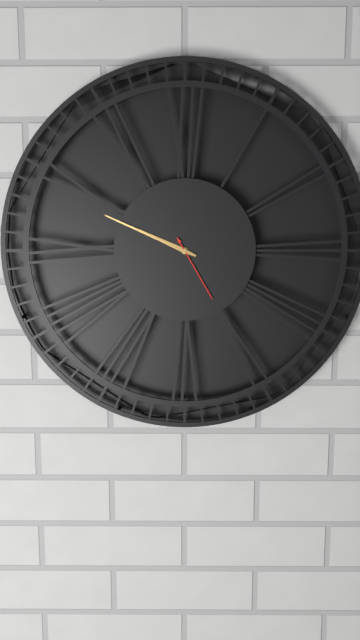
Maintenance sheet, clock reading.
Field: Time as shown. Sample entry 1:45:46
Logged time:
9:49:25
